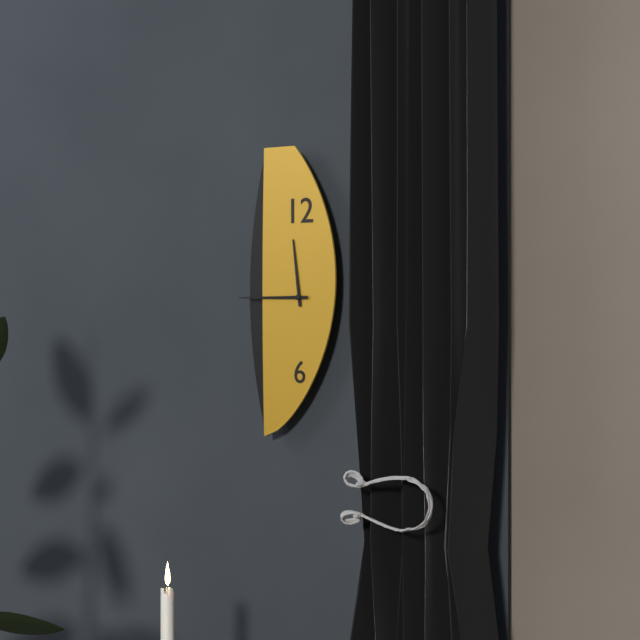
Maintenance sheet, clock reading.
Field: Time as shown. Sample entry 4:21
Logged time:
11:45
